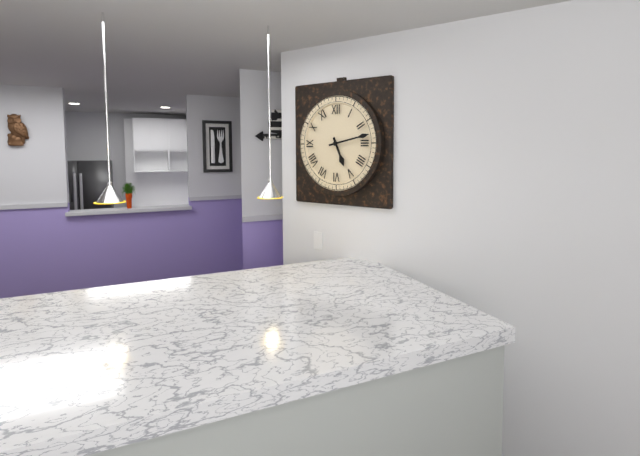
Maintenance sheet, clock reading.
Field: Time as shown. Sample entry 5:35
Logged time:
5:13
